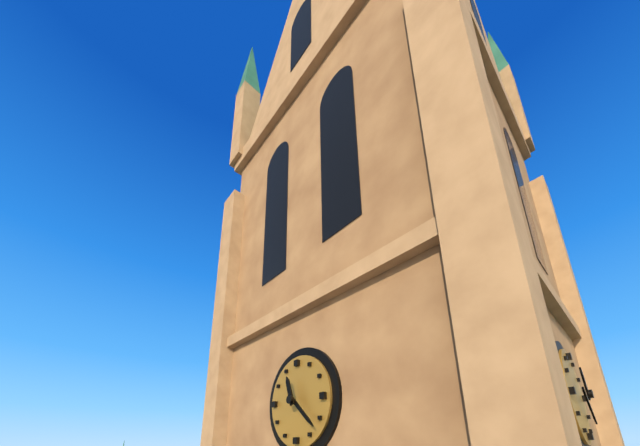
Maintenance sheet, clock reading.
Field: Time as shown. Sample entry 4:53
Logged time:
11:22
